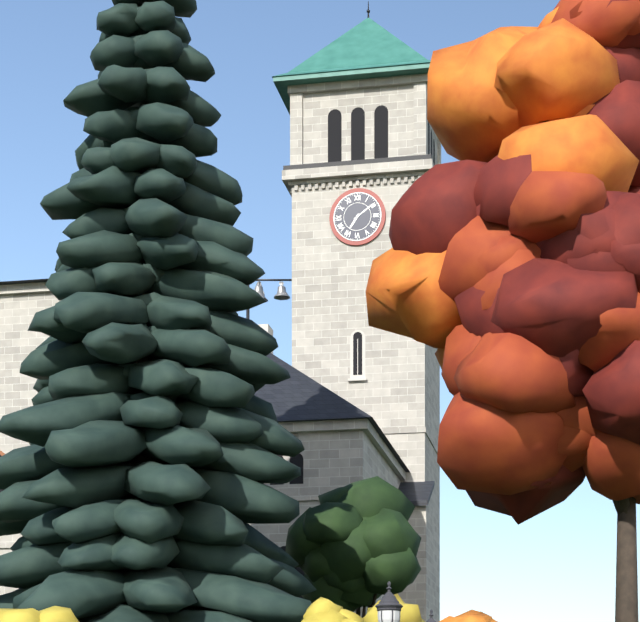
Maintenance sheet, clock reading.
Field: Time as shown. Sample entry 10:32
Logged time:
7:09
